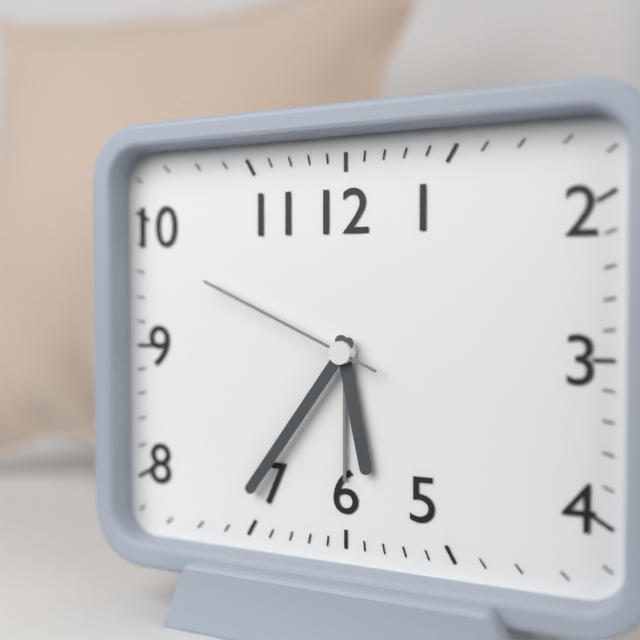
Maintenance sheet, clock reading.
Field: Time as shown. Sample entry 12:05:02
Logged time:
5:36:49
